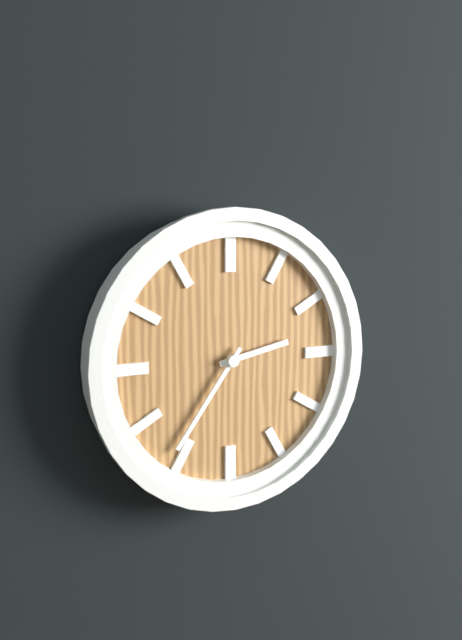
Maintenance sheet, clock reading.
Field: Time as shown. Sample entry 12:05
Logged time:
2:36
